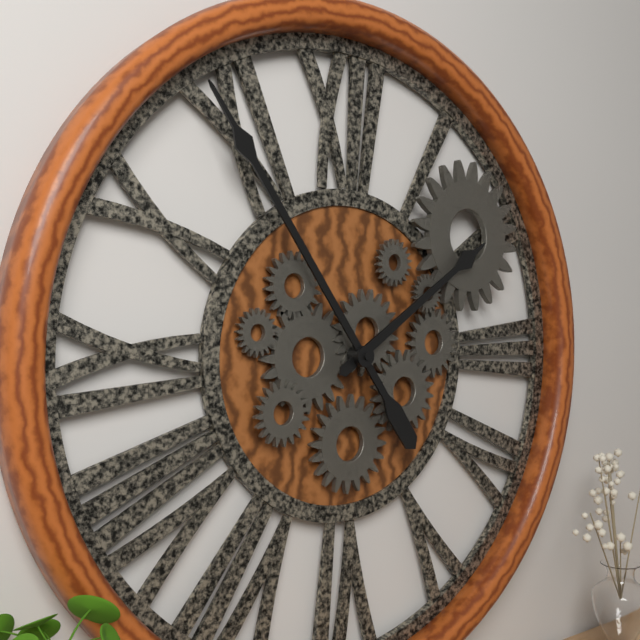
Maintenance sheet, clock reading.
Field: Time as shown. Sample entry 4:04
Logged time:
1:54
